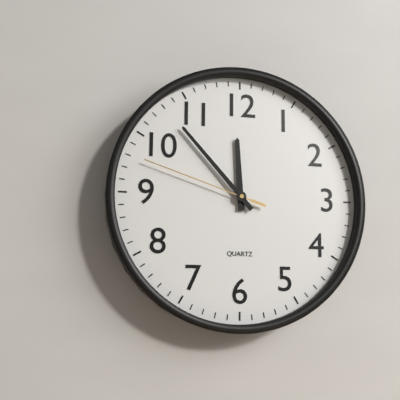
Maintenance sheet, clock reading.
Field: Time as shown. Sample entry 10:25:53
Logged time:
11:53:48
